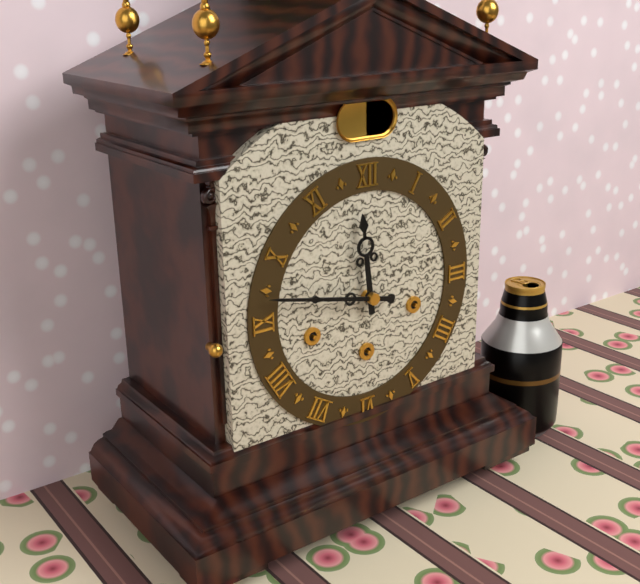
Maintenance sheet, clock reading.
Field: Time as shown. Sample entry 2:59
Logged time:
11:47
